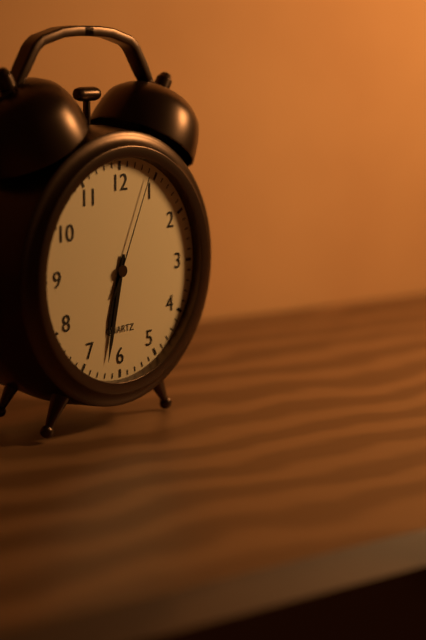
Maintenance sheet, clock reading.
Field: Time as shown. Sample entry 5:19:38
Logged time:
6:32:04
